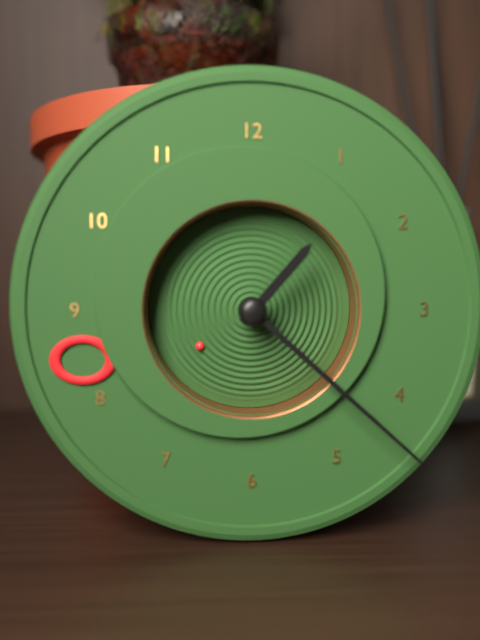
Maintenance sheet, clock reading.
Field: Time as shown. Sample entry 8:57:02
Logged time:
1:22:39
